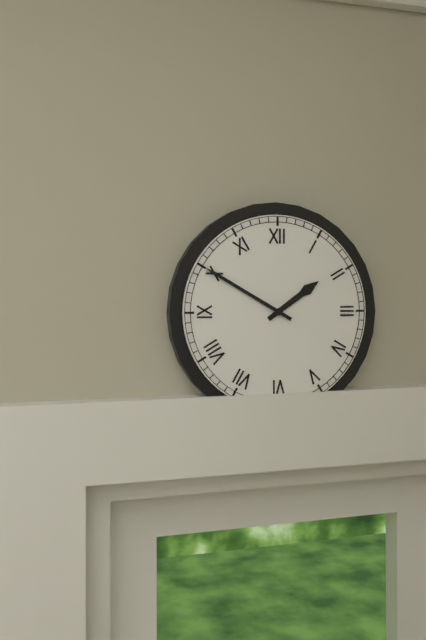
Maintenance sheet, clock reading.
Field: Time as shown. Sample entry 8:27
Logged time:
1:50
